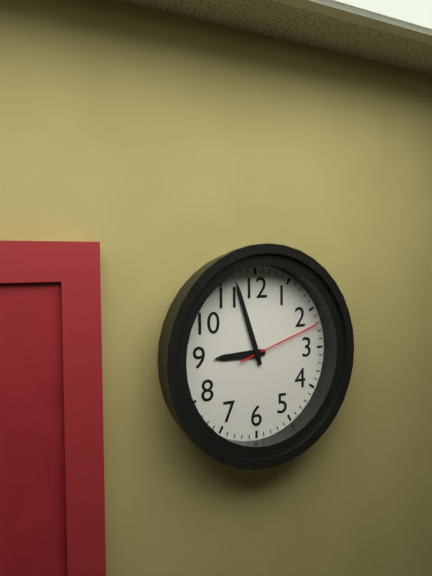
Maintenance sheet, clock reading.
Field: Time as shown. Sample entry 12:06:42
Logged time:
8:57:12
